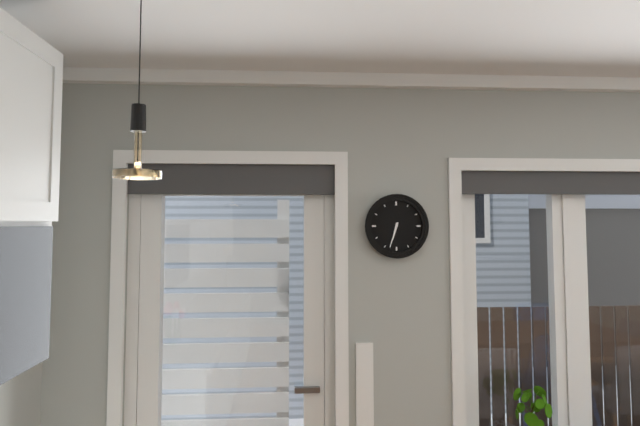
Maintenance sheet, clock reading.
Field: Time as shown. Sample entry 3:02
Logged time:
6:33
